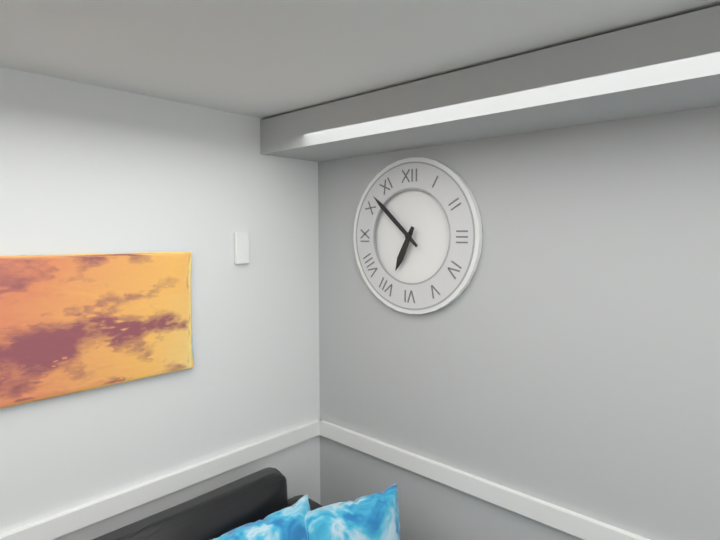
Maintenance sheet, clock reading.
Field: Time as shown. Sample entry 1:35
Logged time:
6:52
